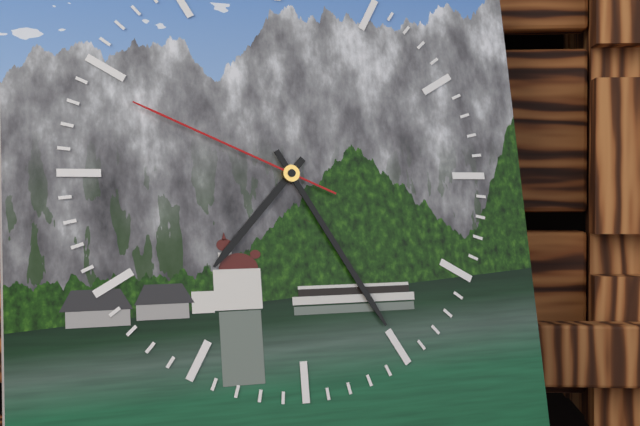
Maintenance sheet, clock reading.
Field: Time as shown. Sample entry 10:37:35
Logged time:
7:25:49
